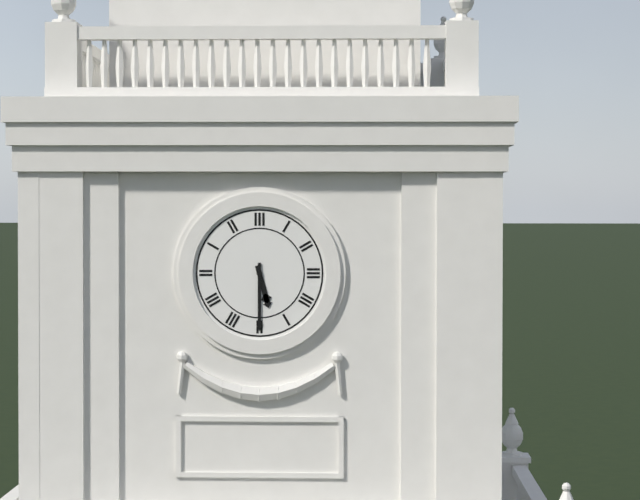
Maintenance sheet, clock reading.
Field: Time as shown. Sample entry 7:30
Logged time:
5:30
